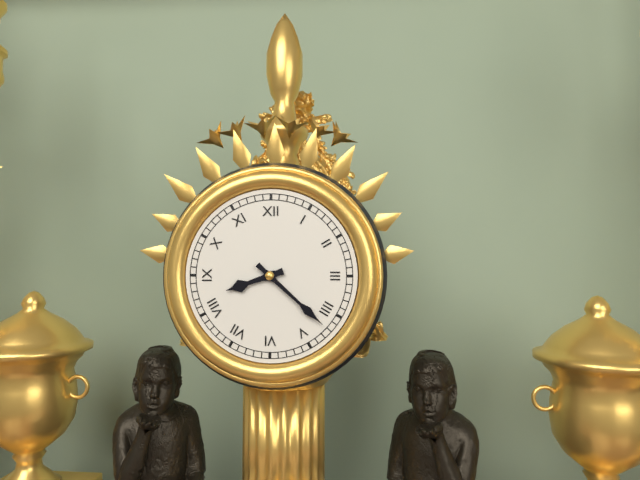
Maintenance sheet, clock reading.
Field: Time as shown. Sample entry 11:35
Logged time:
8:22
